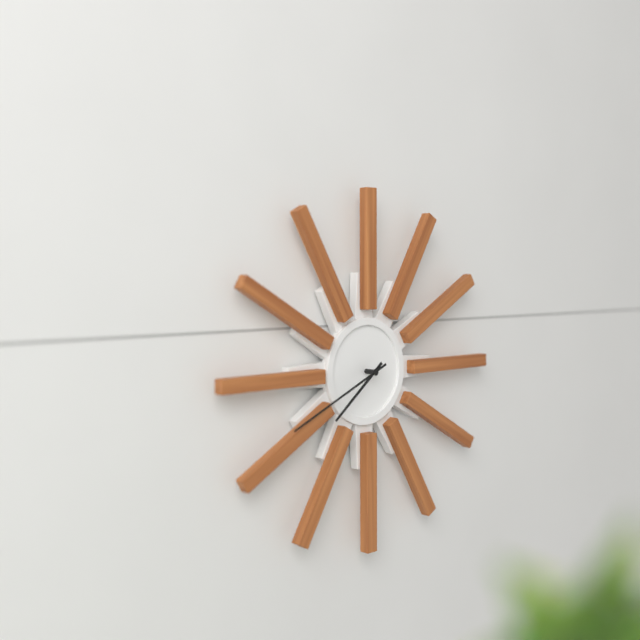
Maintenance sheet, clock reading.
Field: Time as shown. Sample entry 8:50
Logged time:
7:41
